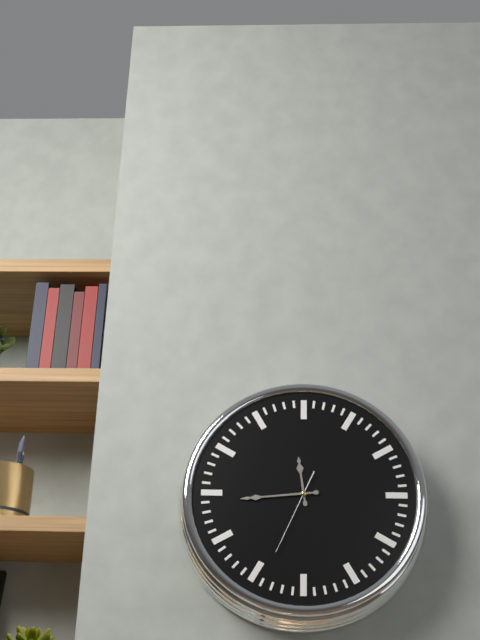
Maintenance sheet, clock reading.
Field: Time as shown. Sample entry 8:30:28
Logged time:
11:44:34
